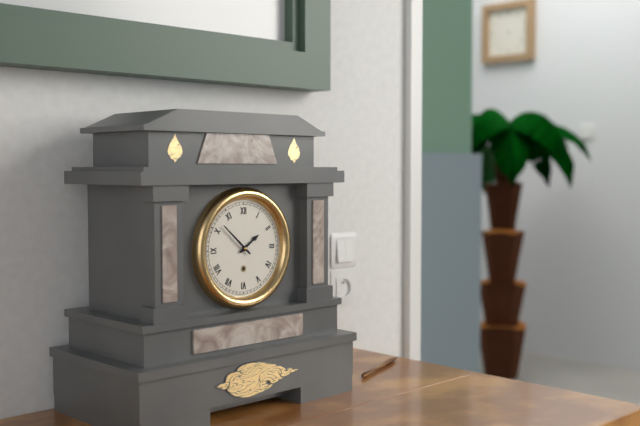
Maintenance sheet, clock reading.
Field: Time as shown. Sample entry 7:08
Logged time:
1:52
